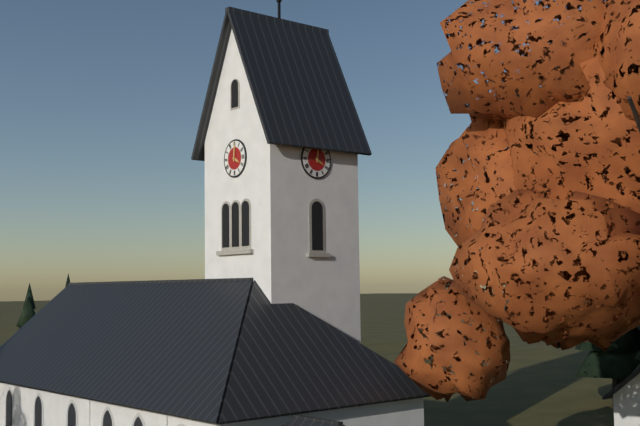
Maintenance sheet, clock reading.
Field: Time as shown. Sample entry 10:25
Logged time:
4:01
